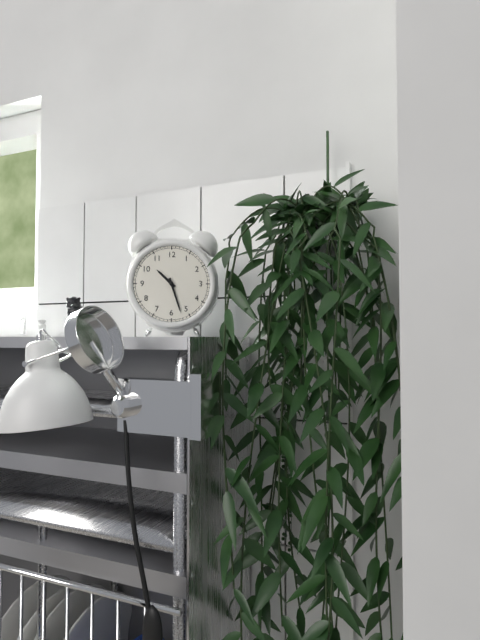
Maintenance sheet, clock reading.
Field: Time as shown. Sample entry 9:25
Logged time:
10:27
